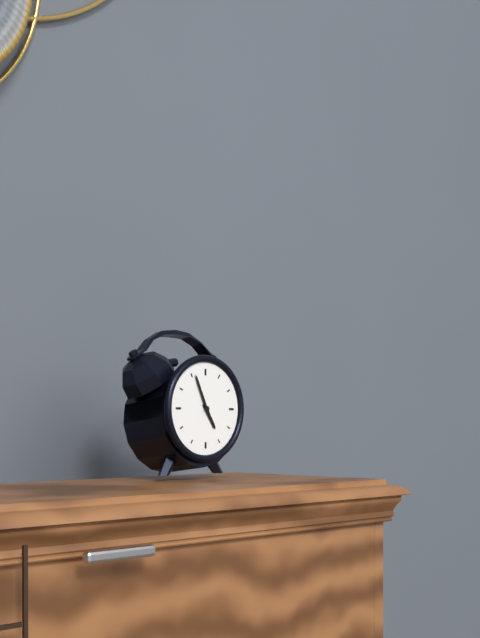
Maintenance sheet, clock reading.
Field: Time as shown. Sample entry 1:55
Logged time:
4:56
